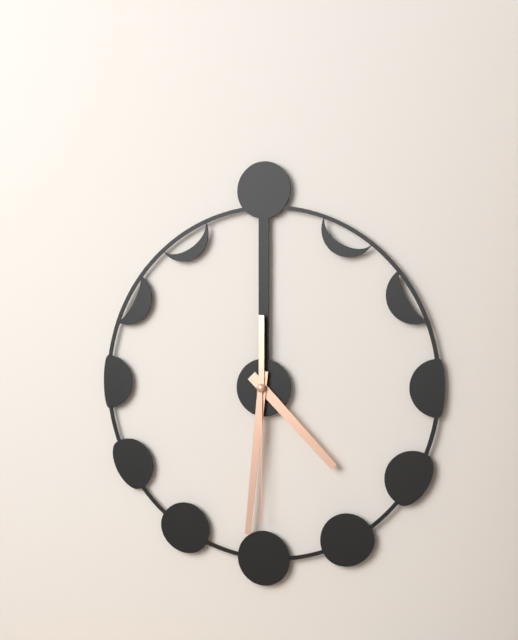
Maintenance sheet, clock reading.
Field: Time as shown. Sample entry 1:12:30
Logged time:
4:31:30
